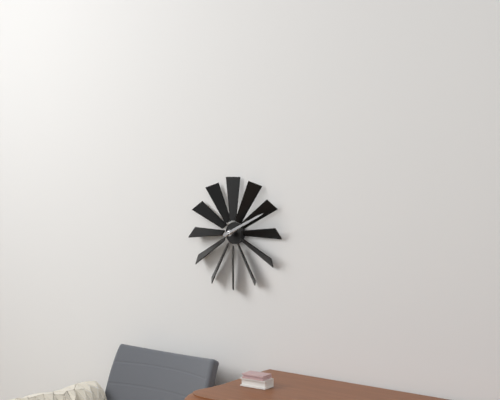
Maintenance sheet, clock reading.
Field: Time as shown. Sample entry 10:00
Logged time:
2:11
